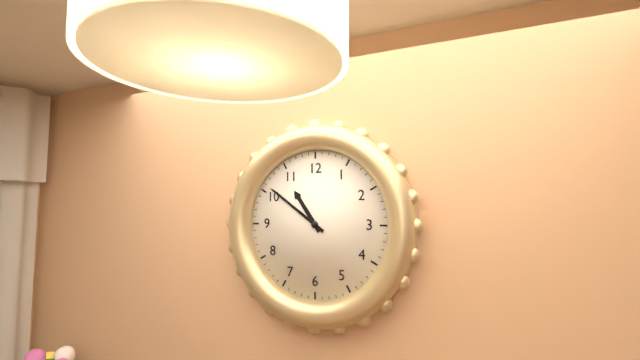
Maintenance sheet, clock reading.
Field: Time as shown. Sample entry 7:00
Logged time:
10:51
